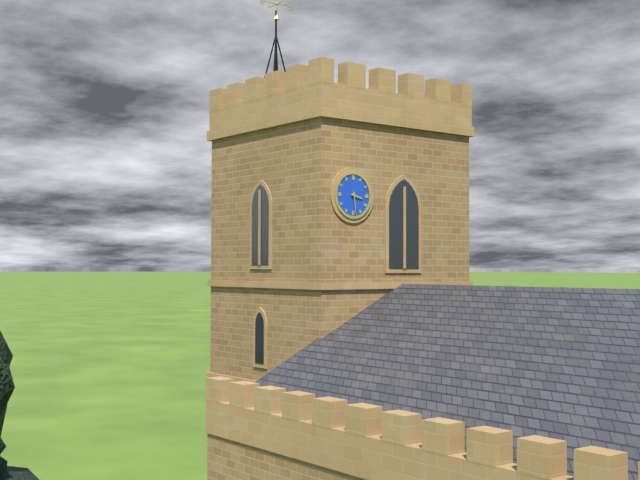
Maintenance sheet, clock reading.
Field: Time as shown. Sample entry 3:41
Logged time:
3:29
